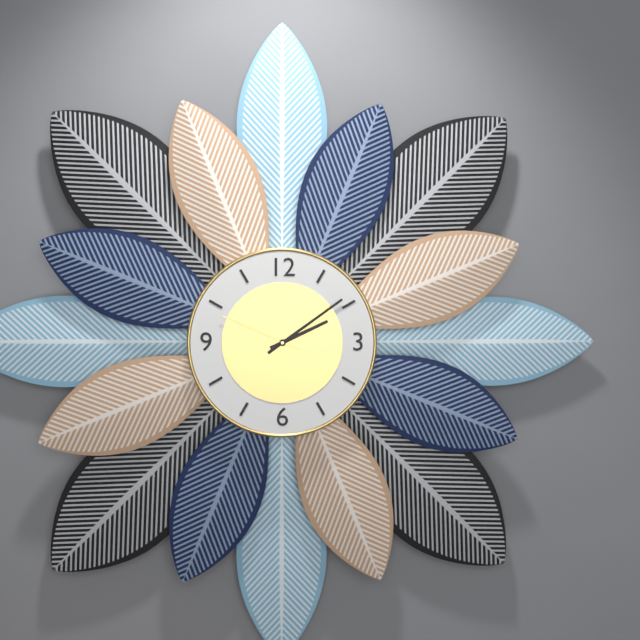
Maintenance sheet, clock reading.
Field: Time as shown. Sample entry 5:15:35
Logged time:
2:09:49
